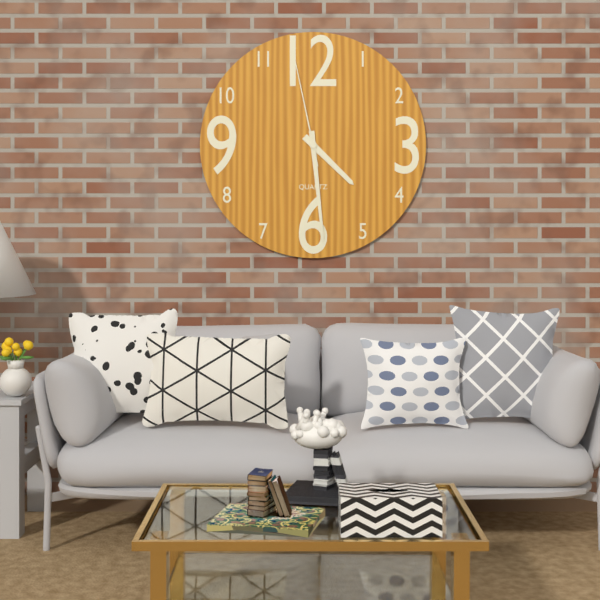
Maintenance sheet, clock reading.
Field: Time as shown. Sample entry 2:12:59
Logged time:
4:29:58
